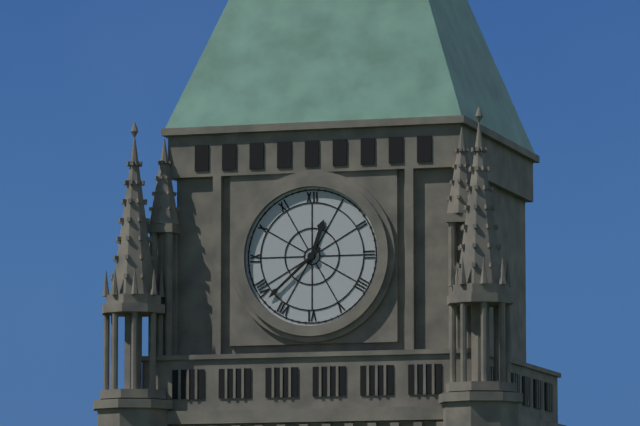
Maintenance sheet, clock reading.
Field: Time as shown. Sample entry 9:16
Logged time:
12:38
